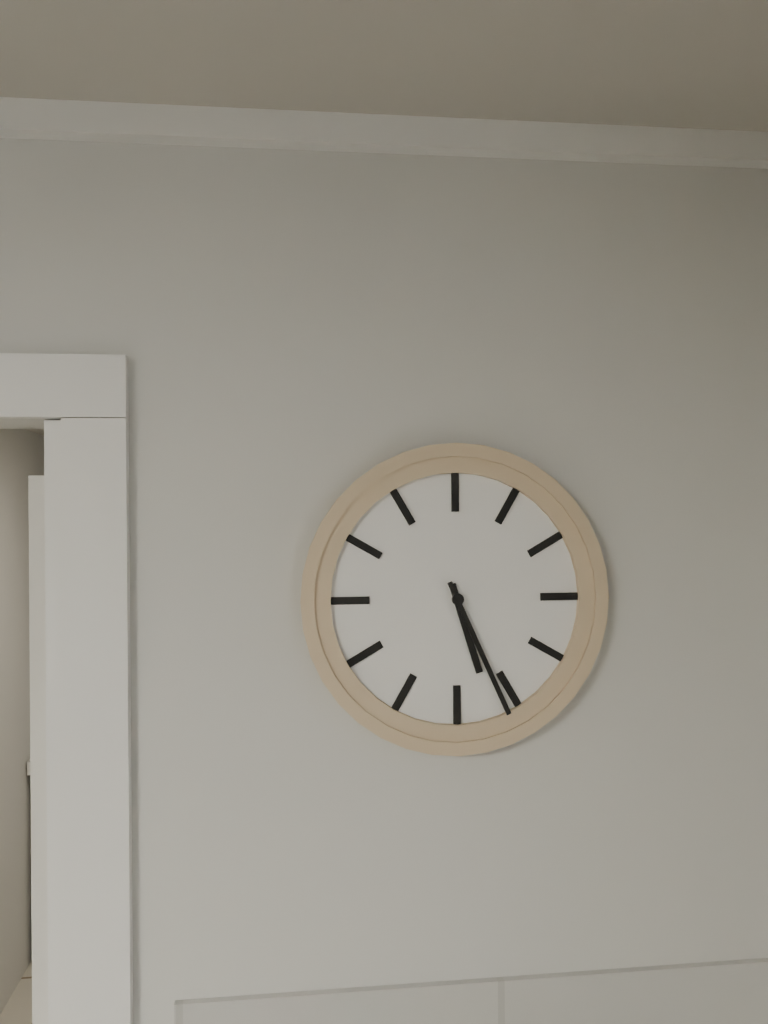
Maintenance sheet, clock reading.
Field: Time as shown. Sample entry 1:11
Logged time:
5:26
